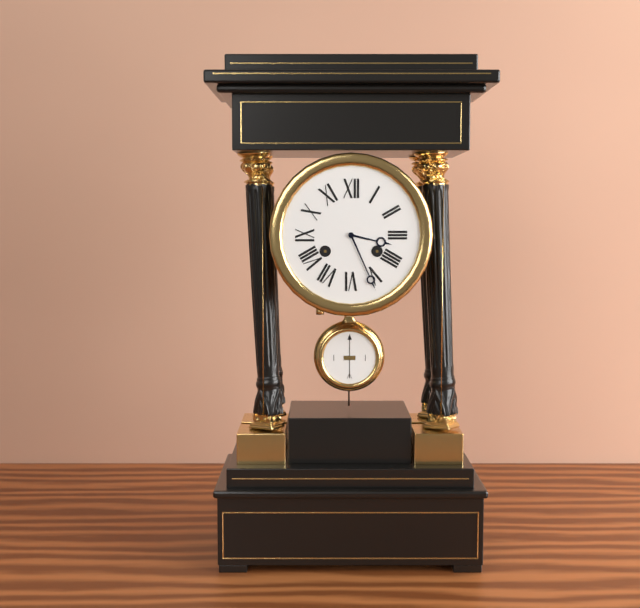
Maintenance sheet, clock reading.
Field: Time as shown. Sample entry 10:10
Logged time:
3:26
